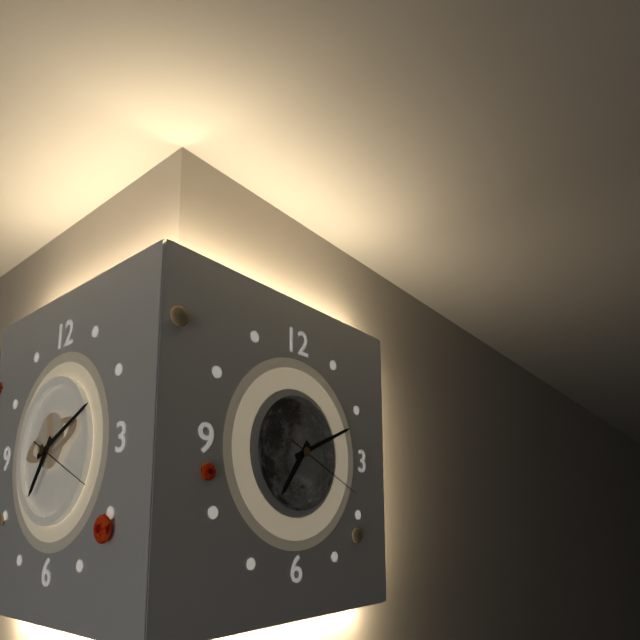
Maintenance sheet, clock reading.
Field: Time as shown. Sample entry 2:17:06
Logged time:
7:11:19
